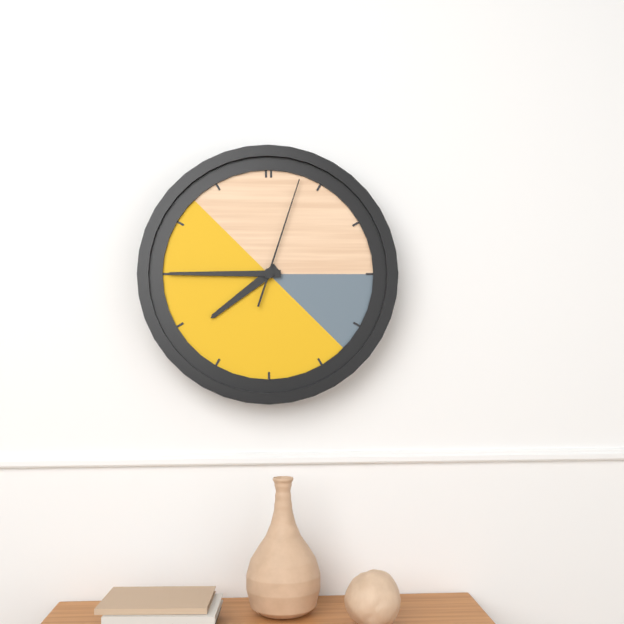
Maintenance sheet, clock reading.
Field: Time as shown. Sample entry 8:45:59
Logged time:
7:45:03
